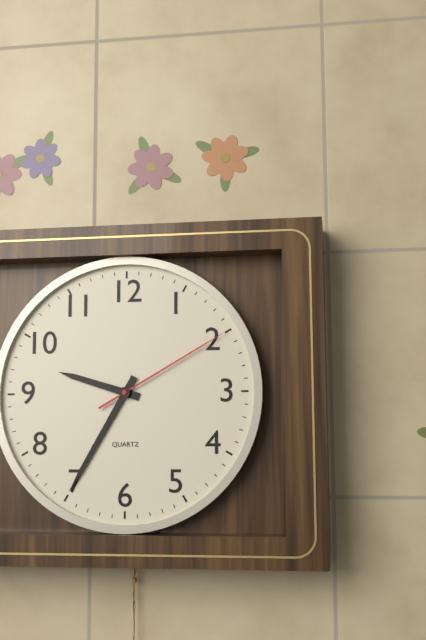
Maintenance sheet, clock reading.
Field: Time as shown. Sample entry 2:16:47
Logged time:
9:35:10
